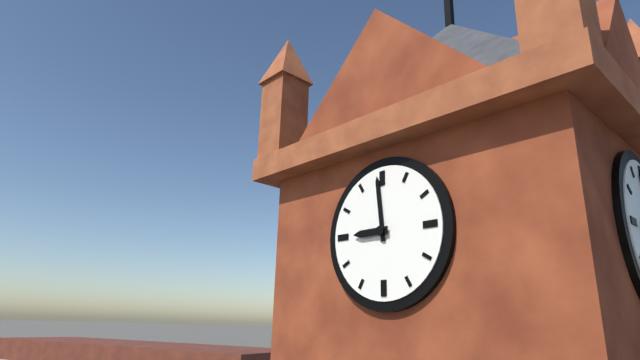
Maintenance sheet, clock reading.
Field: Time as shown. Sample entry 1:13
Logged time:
8:59
